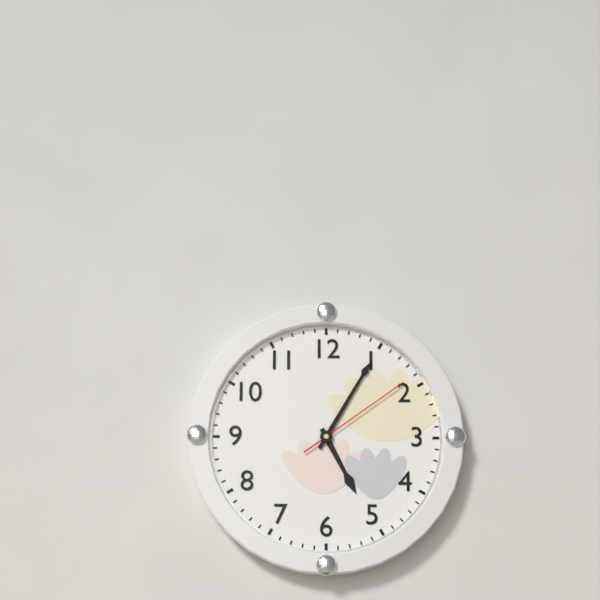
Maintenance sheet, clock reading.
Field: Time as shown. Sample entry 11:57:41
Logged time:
5:05:09
